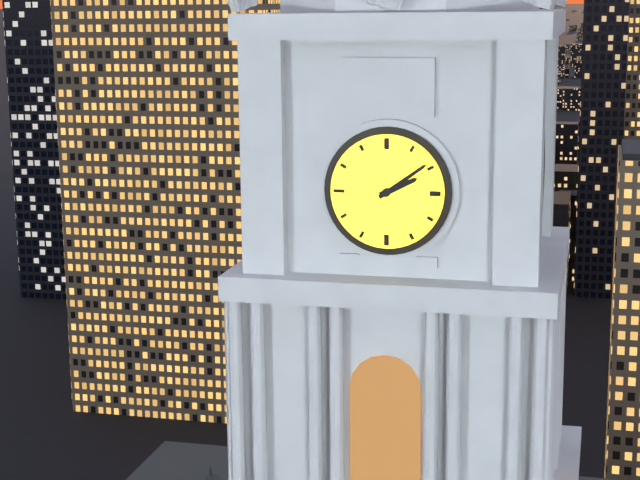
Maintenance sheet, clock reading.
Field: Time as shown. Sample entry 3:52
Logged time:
2:09
